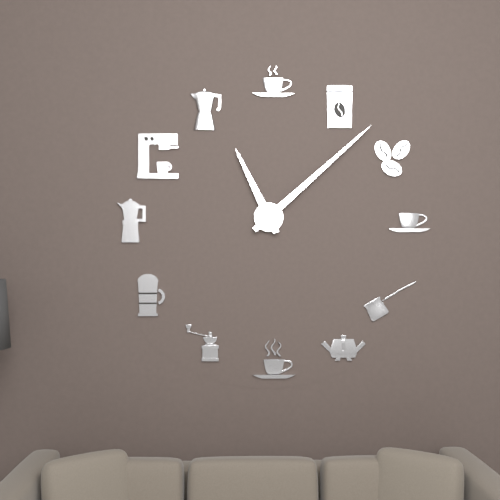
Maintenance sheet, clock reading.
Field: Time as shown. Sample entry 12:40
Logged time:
11:08
